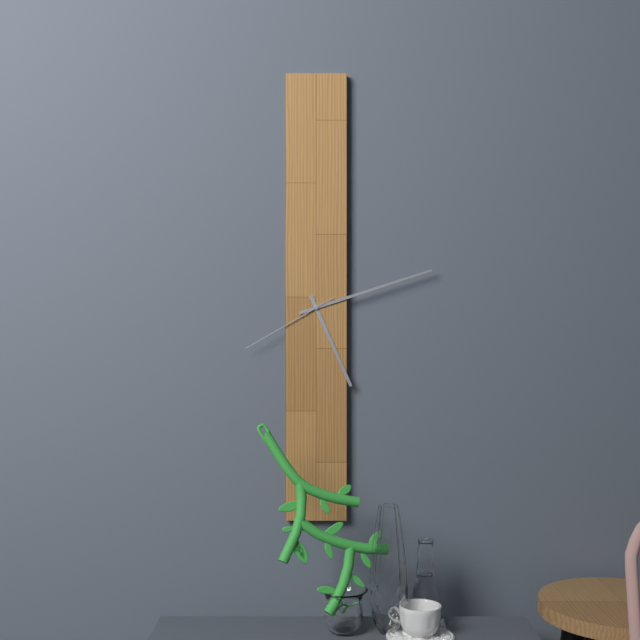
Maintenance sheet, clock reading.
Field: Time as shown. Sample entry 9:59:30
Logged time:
5:12:40
